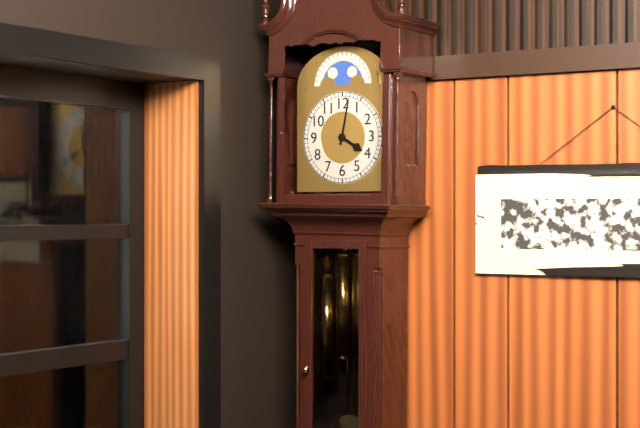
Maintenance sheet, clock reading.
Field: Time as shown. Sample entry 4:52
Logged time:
4:02
